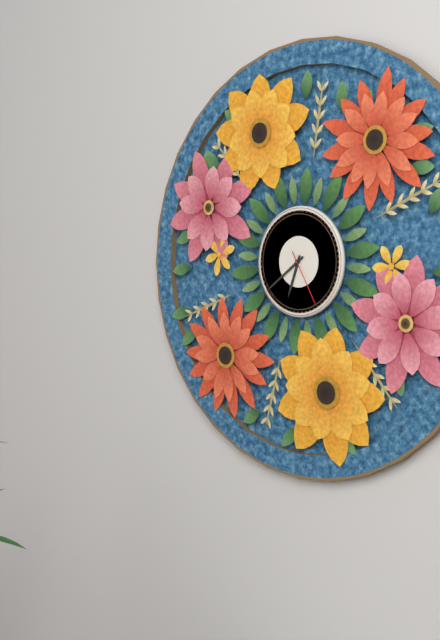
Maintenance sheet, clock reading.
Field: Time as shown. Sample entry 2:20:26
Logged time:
6:39:25
